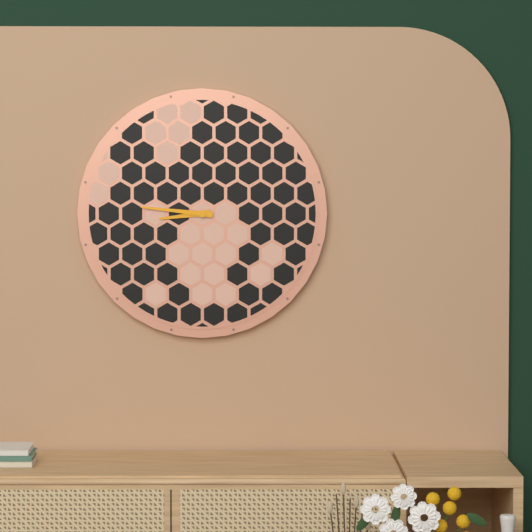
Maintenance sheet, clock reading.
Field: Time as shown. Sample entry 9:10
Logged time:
8:46
